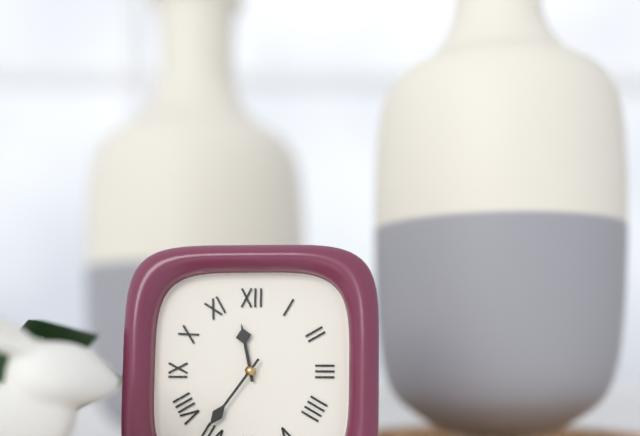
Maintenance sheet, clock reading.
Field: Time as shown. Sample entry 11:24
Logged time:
11:36
